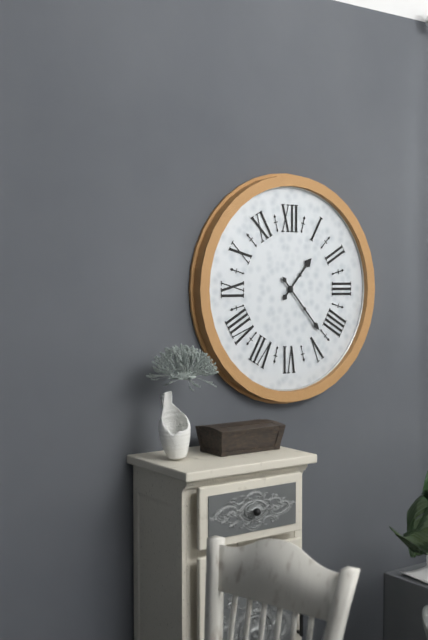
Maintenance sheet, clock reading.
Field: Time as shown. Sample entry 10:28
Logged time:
1:23
